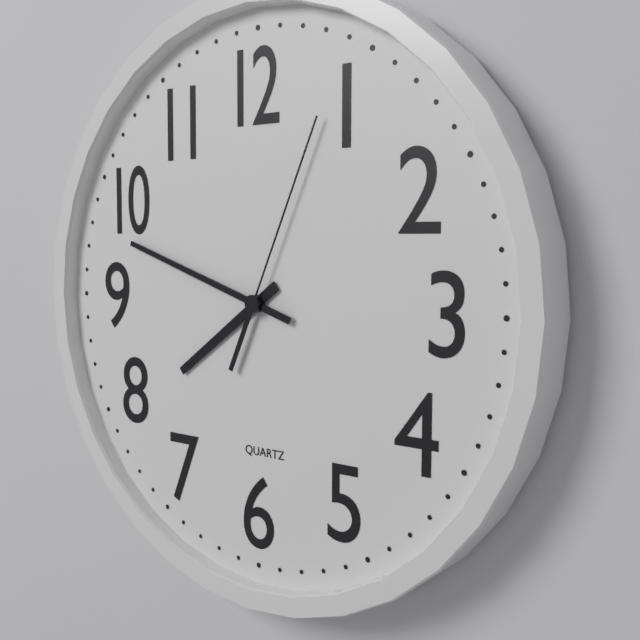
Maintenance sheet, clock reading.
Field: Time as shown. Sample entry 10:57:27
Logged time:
7:48:04
